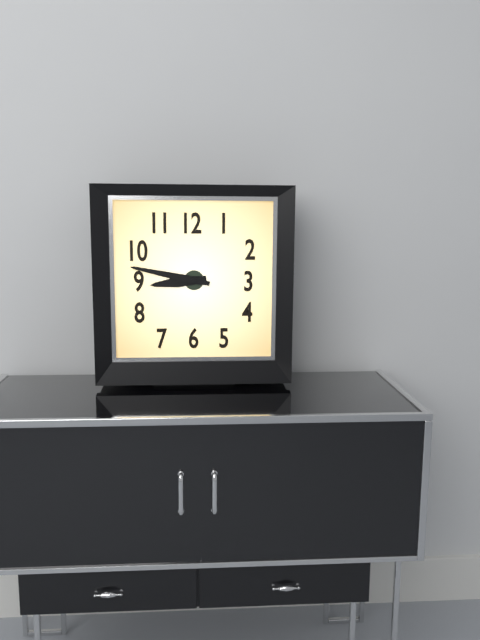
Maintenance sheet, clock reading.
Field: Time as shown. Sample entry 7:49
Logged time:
8:47
